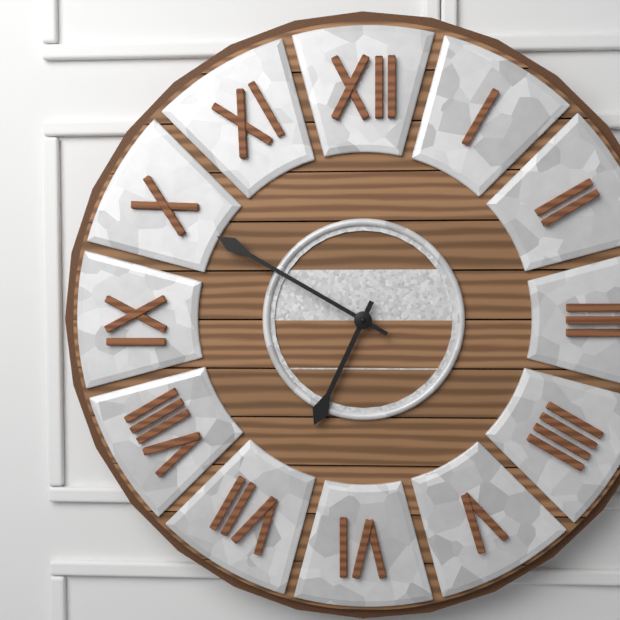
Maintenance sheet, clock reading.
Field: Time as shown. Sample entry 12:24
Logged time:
6:50
